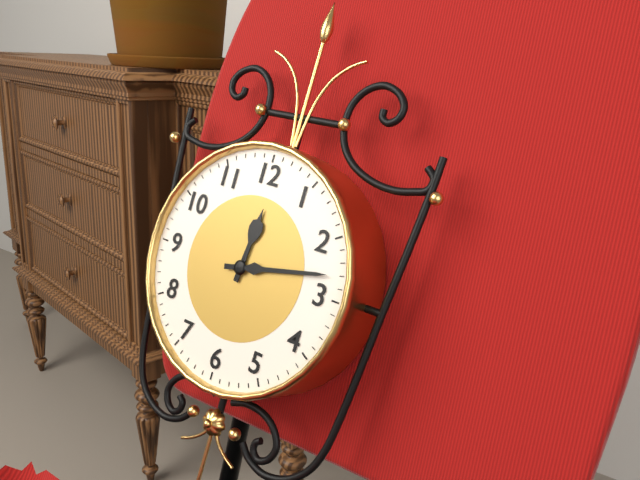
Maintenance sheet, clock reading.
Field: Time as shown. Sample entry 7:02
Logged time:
12:13
